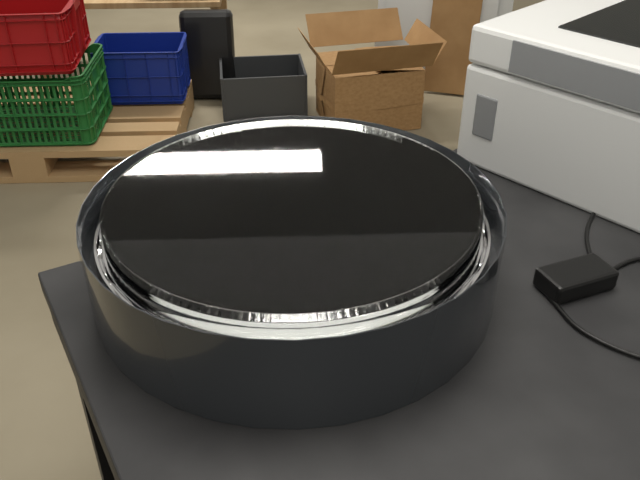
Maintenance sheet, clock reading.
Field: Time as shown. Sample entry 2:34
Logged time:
8:29
